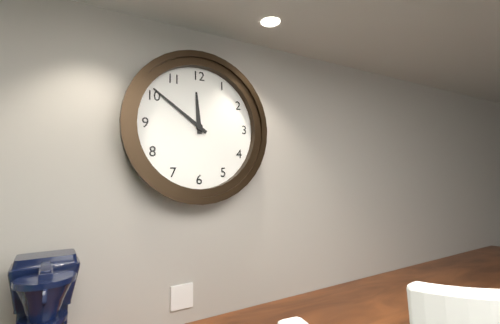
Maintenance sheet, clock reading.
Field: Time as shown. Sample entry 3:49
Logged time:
11:51
